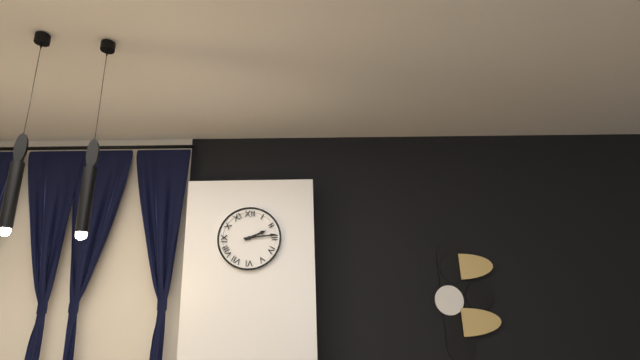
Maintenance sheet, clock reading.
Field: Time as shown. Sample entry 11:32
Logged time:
2:14
